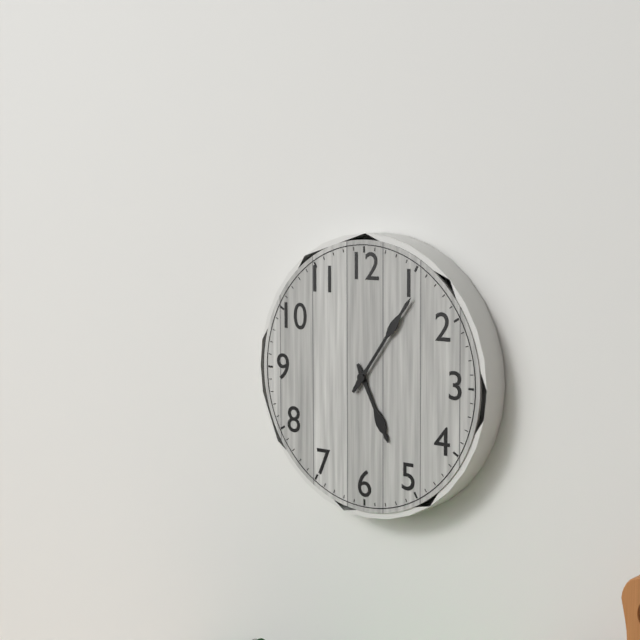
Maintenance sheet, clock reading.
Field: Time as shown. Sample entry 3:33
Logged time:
5:06
